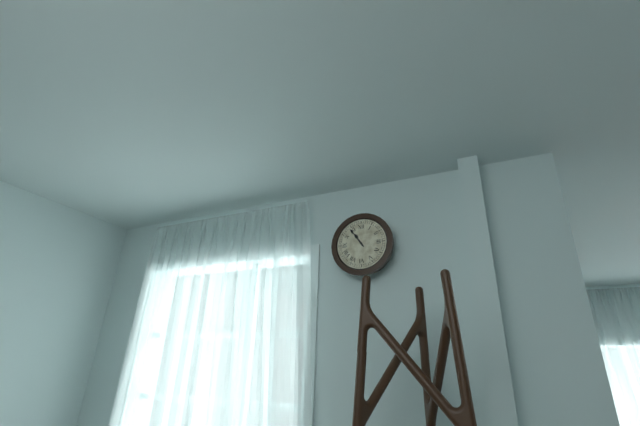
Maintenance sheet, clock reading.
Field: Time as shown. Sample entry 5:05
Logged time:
10:54
